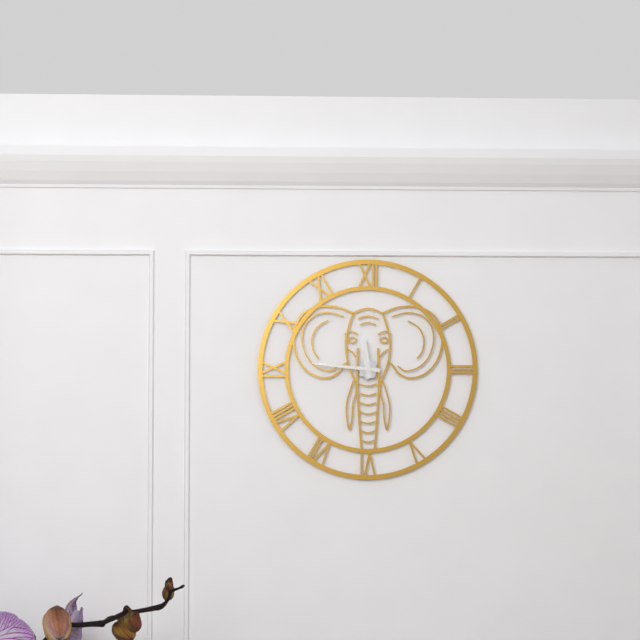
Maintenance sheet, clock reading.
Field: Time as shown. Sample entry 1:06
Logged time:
11:46
